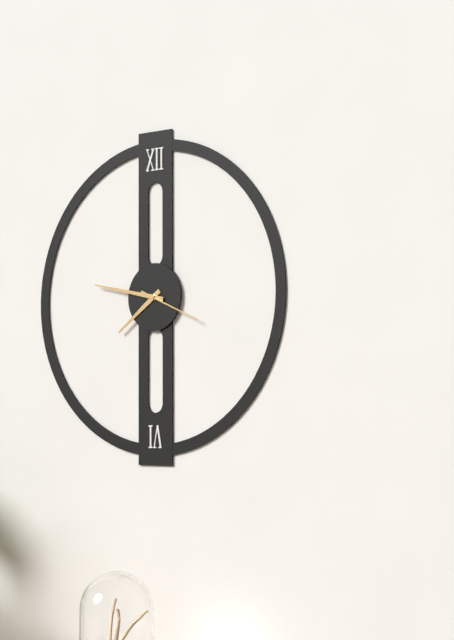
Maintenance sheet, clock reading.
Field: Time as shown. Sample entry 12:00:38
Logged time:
7:47:19
